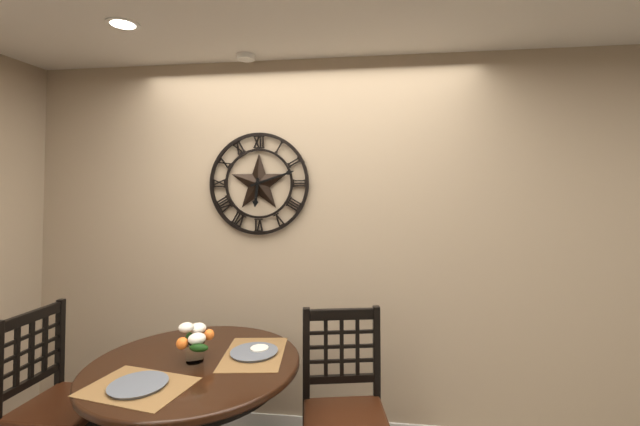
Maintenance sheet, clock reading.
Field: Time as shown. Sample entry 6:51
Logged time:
6:12
